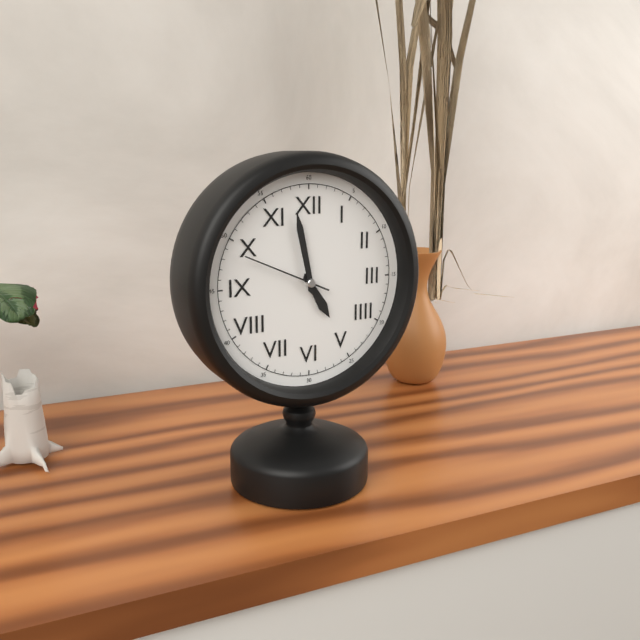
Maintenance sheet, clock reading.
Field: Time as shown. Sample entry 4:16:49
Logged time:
4:58:49
